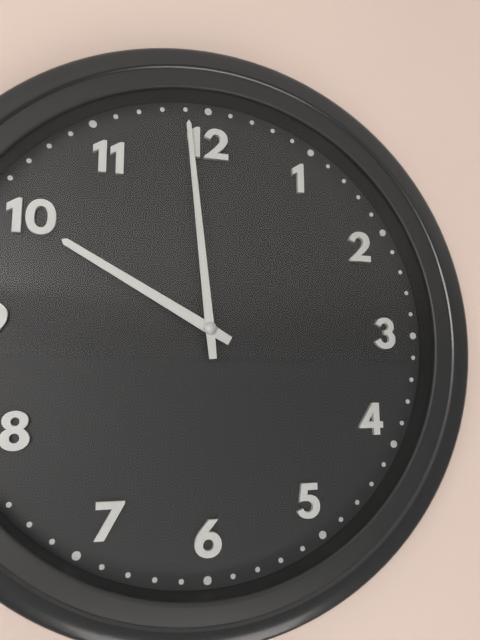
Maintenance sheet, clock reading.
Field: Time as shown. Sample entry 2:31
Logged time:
9:59
